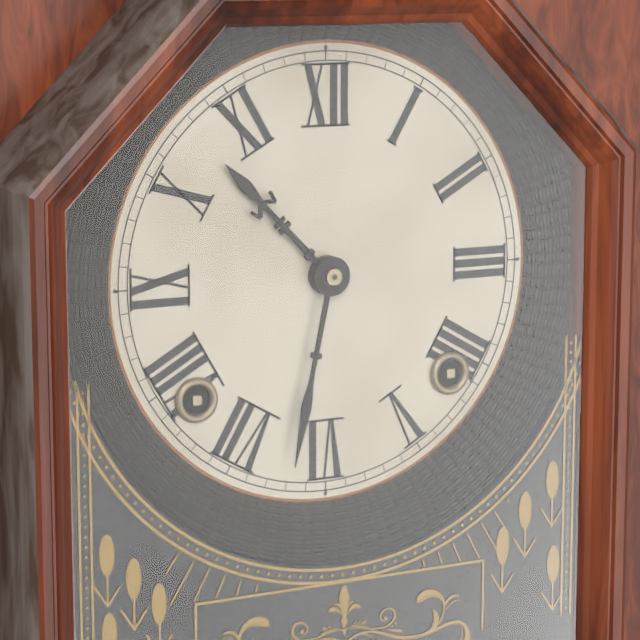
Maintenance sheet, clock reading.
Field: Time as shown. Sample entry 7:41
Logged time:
10:32
